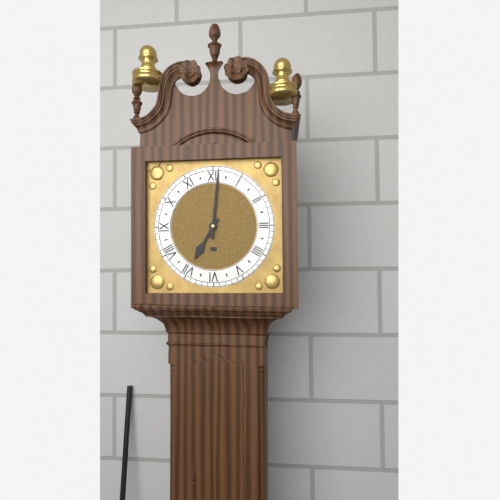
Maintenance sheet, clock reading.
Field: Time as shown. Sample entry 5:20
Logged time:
7:01
